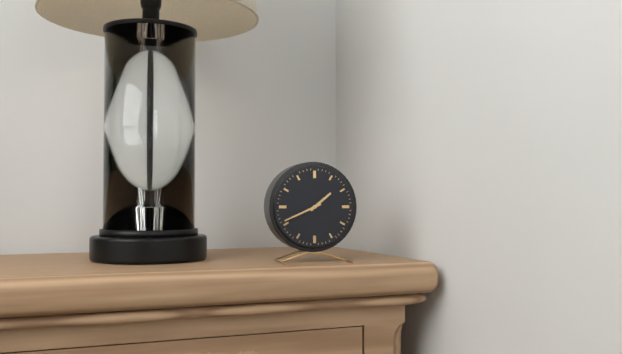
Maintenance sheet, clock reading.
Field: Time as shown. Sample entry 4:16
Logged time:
1:41
